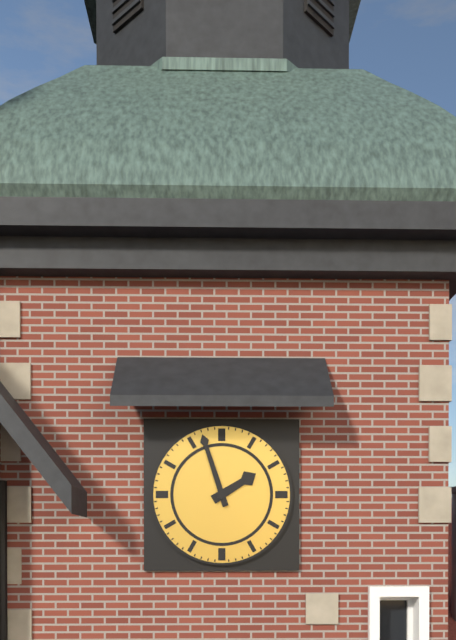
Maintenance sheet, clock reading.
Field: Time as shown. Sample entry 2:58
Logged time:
1:57
